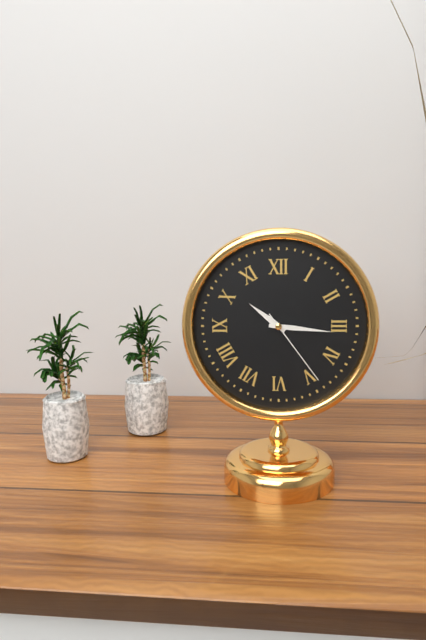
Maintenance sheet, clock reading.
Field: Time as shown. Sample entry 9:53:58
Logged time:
10:16:24
